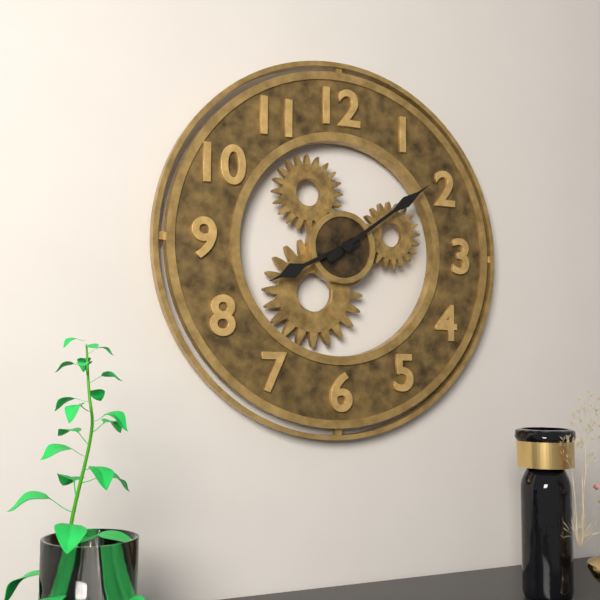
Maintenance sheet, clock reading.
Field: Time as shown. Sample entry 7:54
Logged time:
8:09
